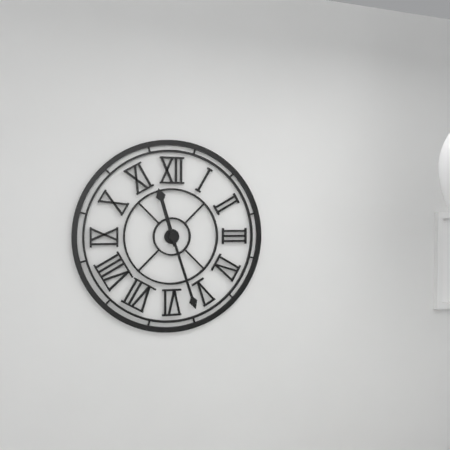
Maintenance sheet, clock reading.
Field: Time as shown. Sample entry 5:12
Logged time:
11:27
